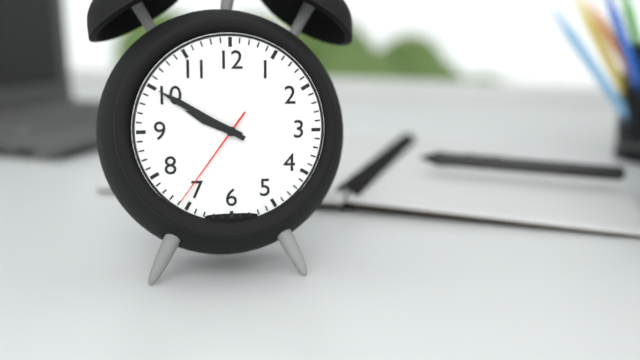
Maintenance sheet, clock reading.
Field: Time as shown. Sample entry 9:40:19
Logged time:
9:50:36
